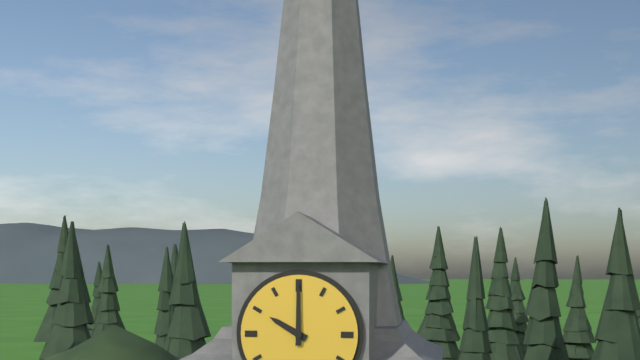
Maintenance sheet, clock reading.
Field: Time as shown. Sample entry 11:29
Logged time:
10:00
